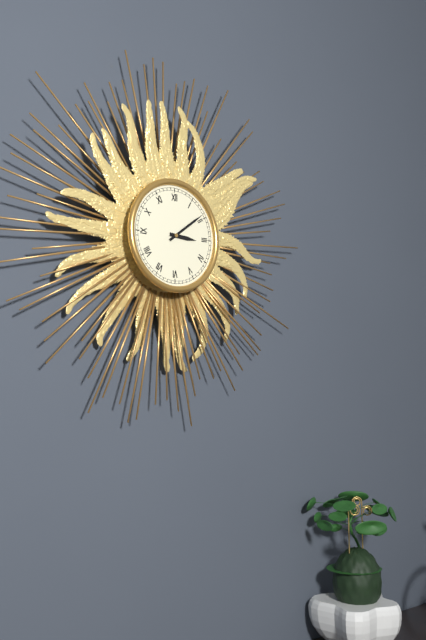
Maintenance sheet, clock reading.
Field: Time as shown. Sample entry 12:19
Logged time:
3:09
